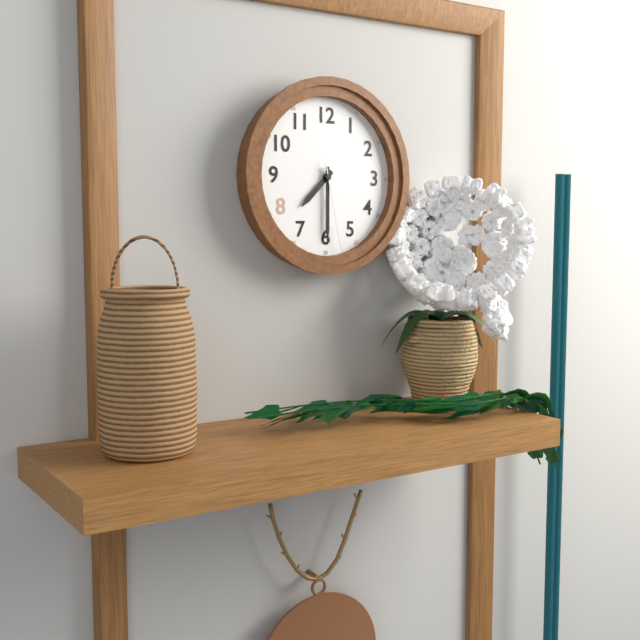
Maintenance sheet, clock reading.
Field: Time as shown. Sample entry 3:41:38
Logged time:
7:30:28
